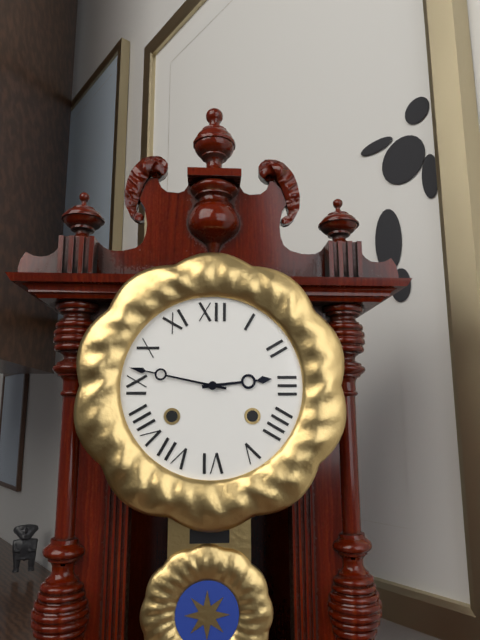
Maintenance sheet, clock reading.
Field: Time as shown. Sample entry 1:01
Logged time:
2:47
